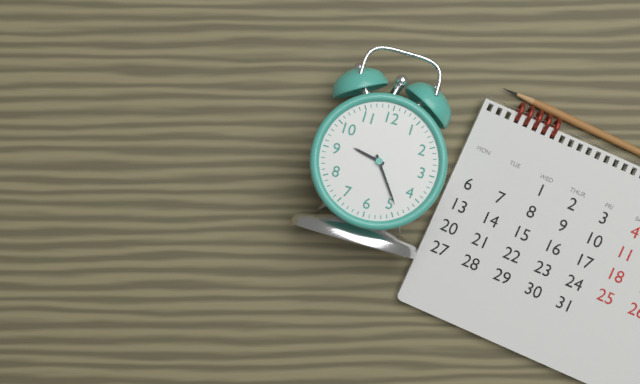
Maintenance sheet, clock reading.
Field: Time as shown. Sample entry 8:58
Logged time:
9:24
